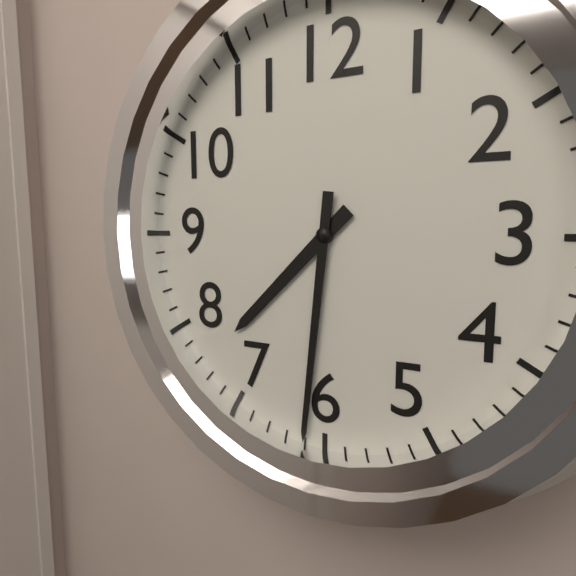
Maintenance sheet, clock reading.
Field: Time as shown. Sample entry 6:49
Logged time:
7:31
